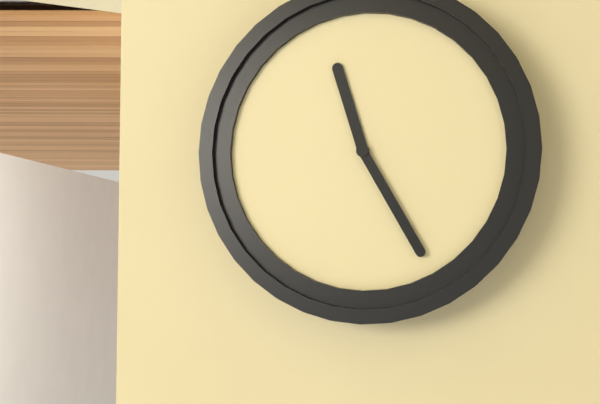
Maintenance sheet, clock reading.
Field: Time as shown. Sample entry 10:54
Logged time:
11:25
